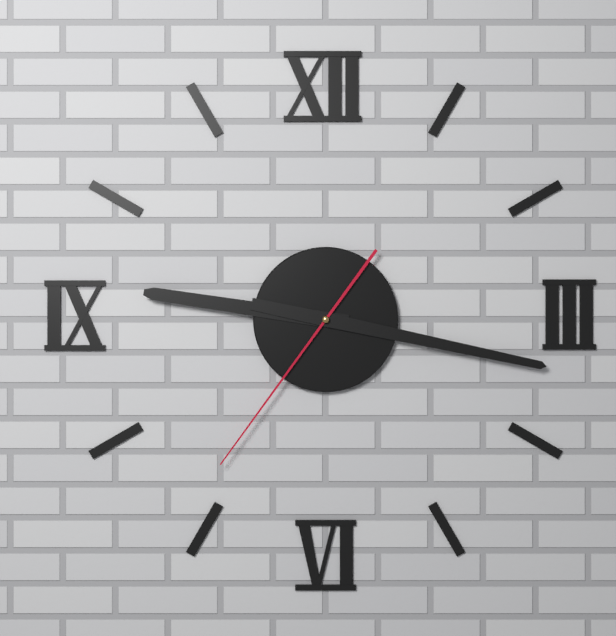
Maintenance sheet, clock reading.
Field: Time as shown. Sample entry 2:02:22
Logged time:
9:17:36
